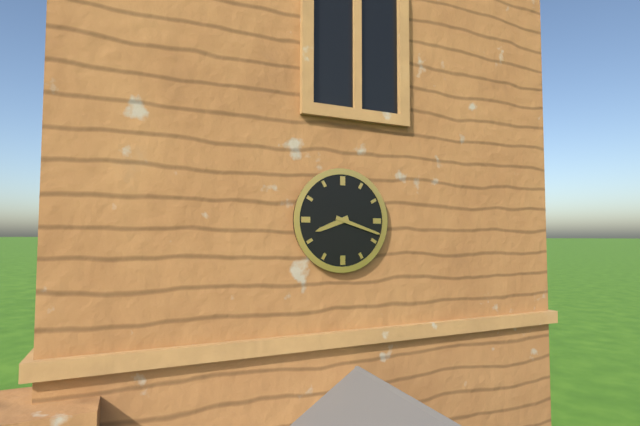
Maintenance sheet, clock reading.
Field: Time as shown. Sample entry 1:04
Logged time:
8:18
